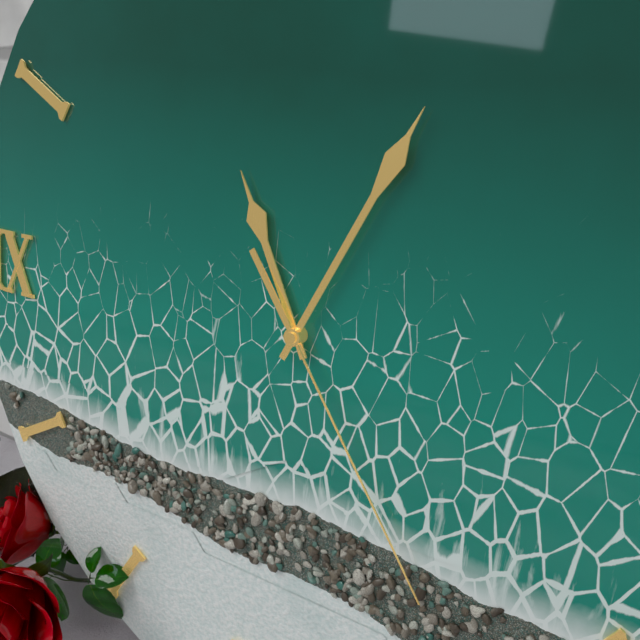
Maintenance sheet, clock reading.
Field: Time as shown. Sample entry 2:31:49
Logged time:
11:04:24
